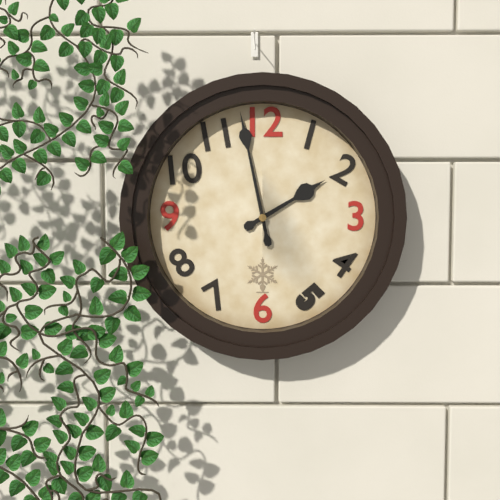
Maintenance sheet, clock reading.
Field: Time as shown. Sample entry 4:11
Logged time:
1:58
